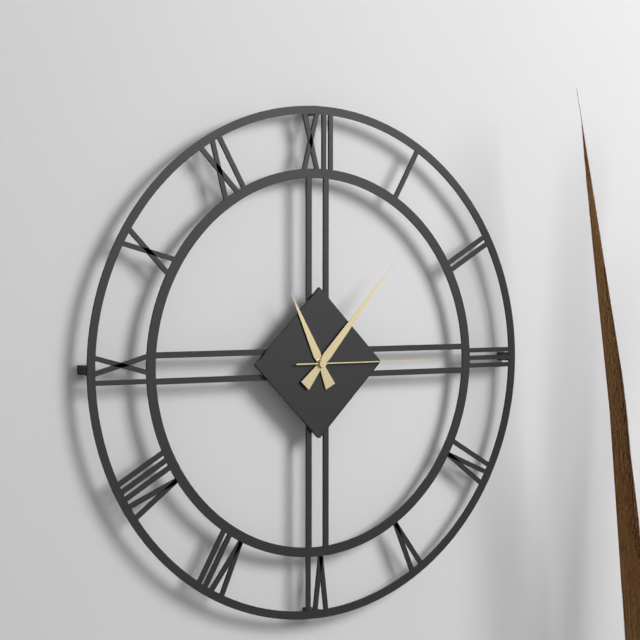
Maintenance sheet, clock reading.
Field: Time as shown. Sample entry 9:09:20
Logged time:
11:07:15
